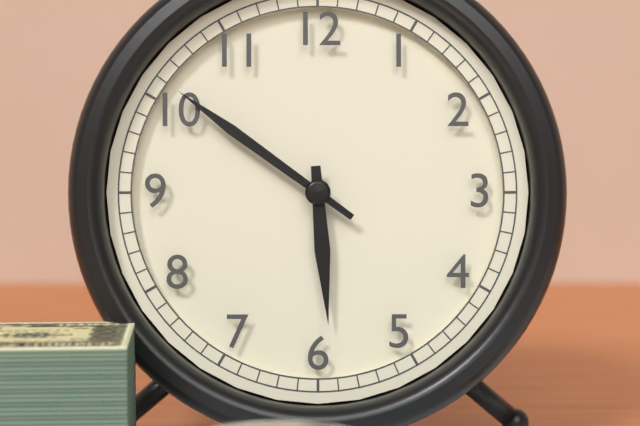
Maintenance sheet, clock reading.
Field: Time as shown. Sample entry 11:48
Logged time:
5:51
